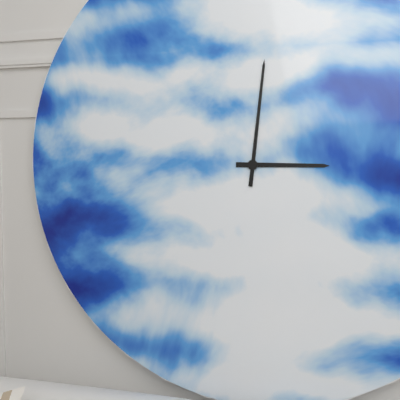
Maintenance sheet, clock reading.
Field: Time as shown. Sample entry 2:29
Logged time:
3:01
